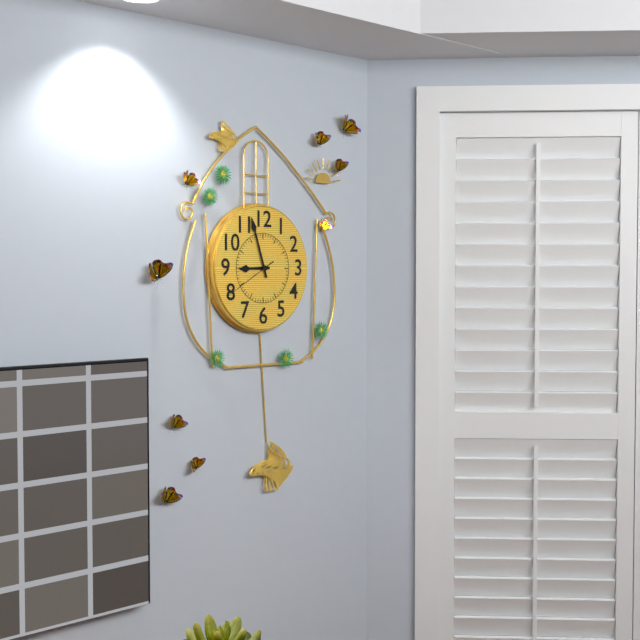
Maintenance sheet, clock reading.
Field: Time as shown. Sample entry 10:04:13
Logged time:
8:57:40
